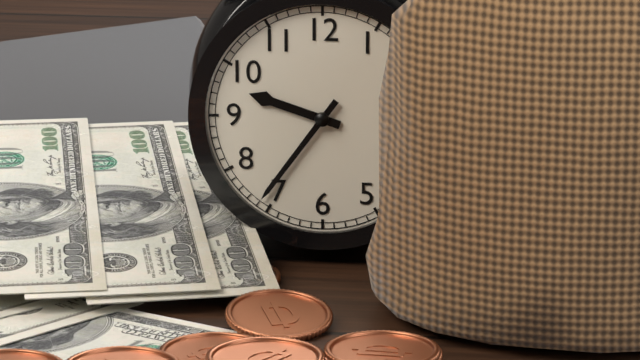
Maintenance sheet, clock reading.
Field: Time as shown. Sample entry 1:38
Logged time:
9:36
